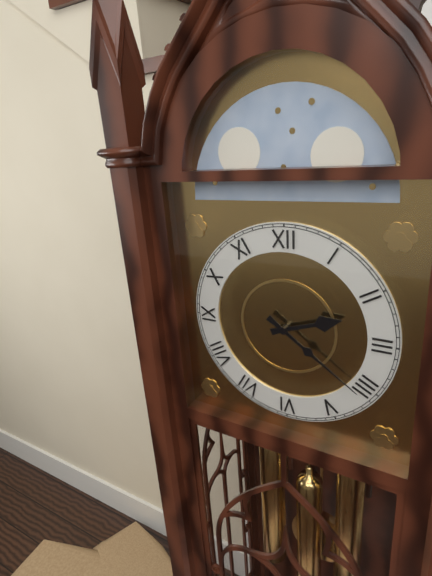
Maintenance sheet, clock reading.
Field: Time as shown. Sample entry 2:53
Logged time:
2:21
